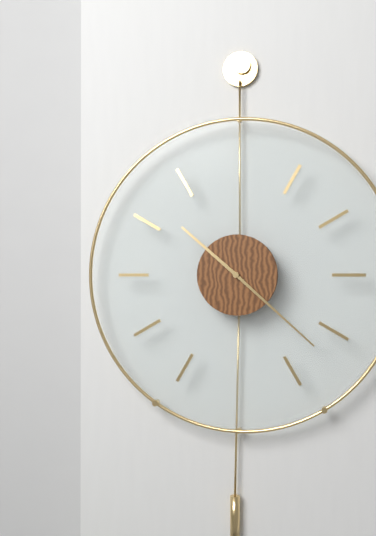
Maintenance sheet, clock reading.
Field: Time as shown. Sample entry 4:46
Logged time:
10:22
